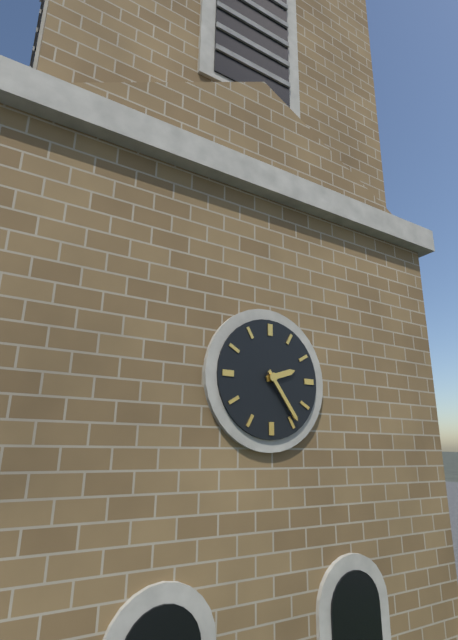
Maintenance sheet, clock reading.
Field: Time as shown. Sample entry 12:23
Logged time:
2:24
